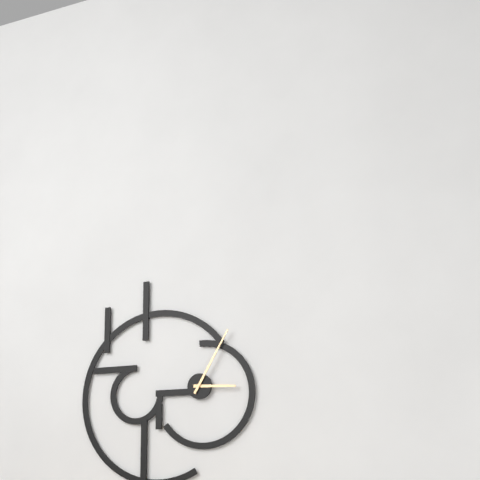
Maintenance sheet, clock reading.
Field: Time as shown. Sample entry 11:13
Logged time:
3:05
